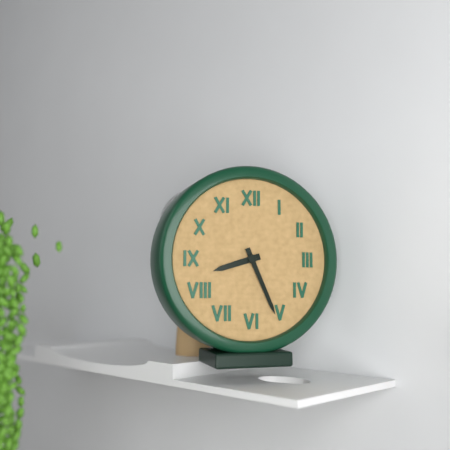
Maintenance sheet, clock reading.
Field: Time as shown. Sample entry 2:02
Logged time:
8:26
